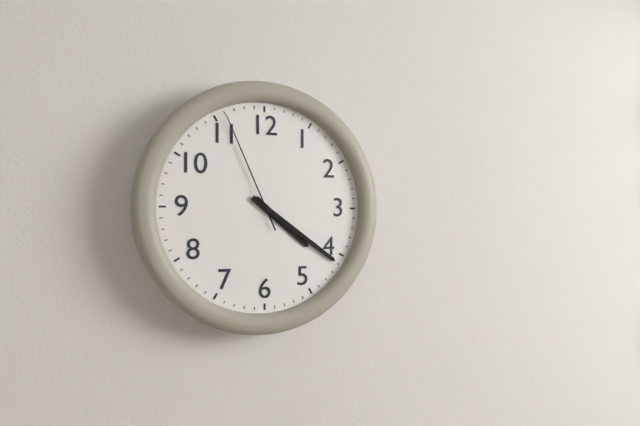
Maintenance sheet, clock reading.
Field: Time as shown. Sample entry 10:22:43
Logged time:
4:21:56
